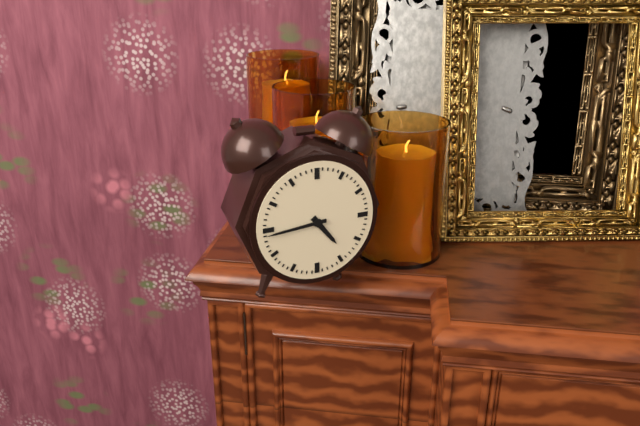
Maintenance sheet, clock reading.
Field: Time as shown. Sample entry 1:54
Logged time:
4:44
